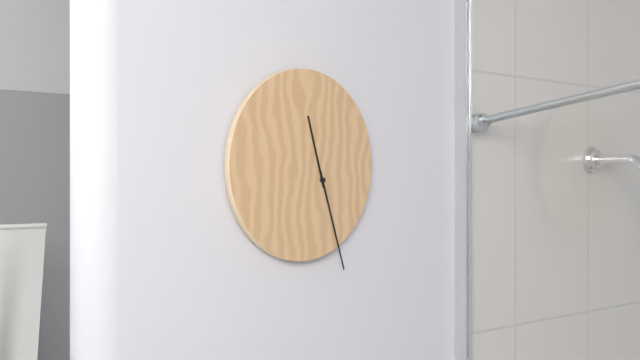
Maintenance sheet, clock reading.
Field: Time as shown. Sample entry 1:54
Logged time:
11:27
